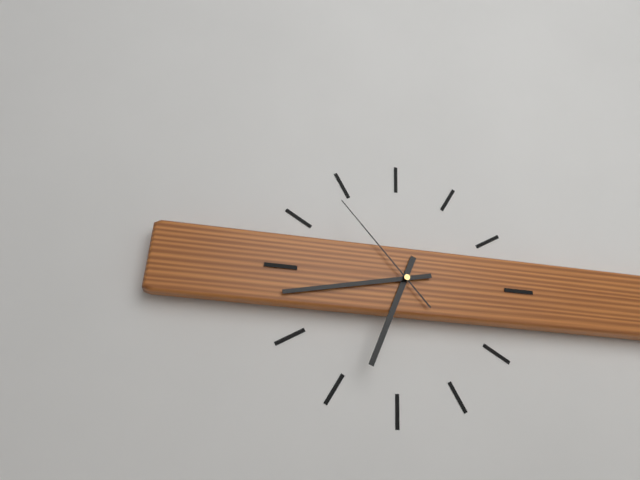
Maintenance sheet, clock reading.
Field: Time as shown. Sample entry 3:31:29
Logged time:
6:43:53
